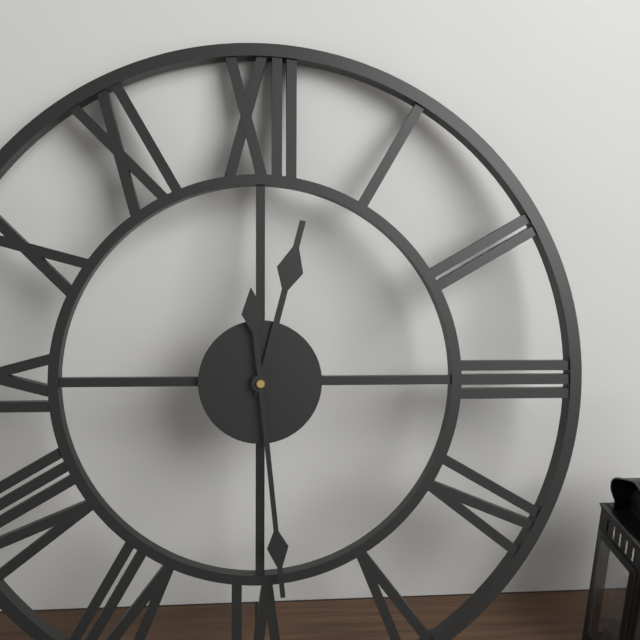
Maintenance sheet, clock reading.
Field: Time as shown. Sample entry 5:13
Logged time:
12:29
